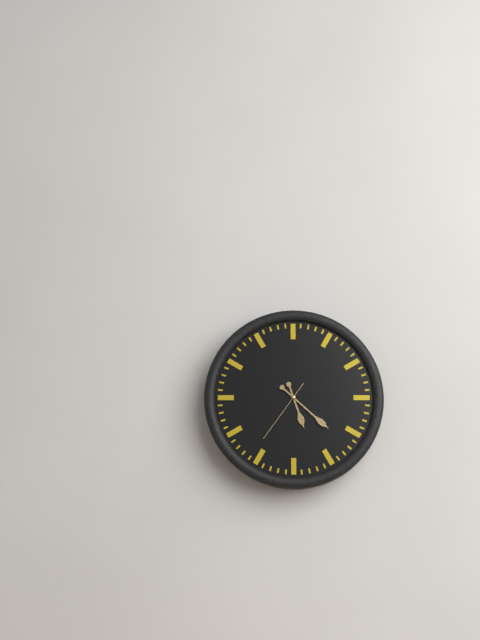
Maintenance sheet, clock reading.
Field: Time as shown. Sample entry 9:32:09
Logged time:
5:22:36
